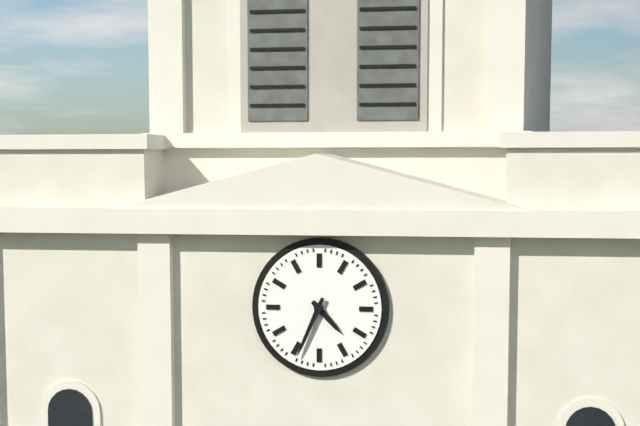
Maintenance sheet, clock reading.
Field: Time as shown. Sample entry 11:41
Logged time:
4:34
